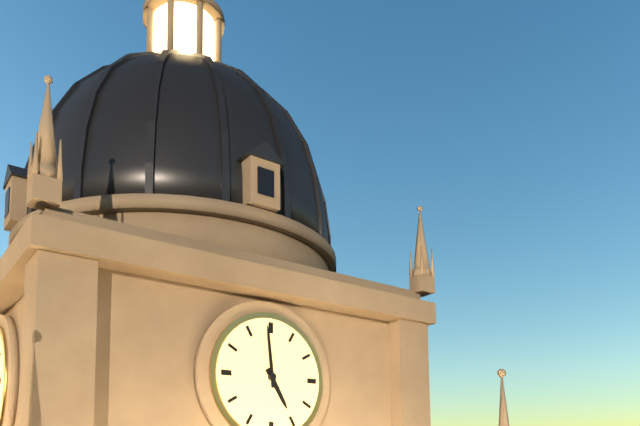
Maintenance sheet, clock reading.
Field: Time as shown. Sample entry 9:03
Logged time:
4:59
